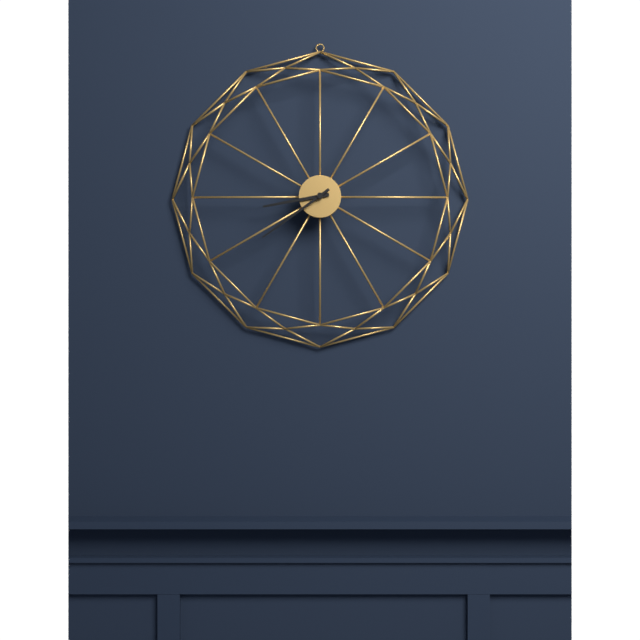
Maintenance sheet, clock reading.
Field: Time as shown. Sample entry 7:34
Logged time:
8:39
